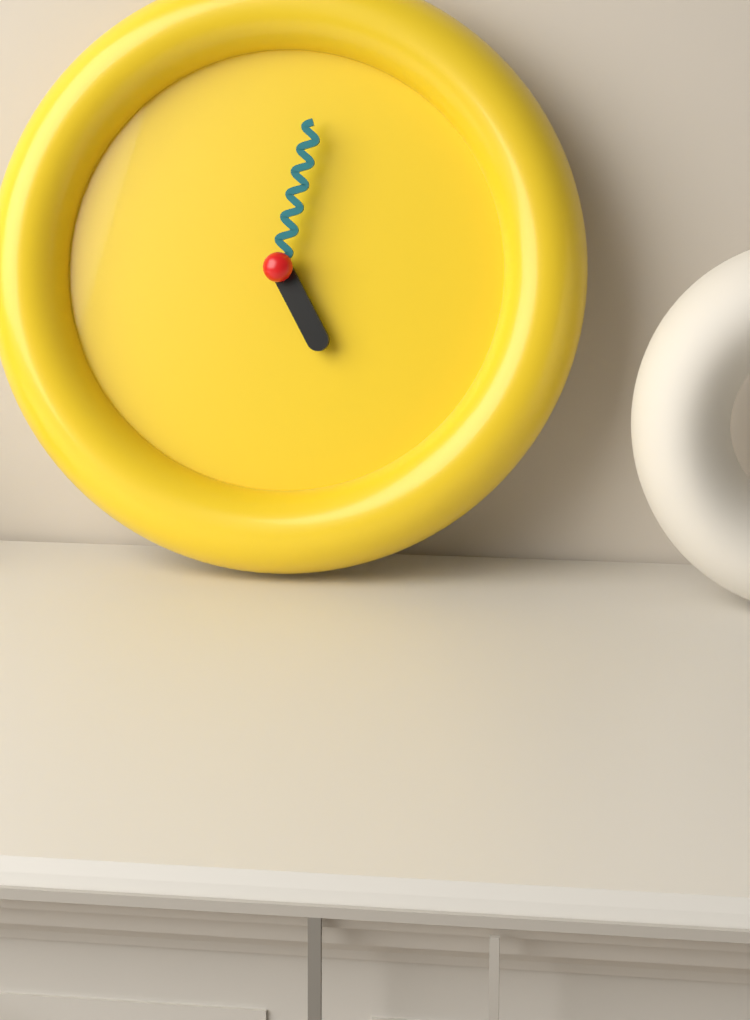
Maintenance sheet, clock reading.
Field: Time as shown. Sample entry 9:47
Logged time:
5:02
